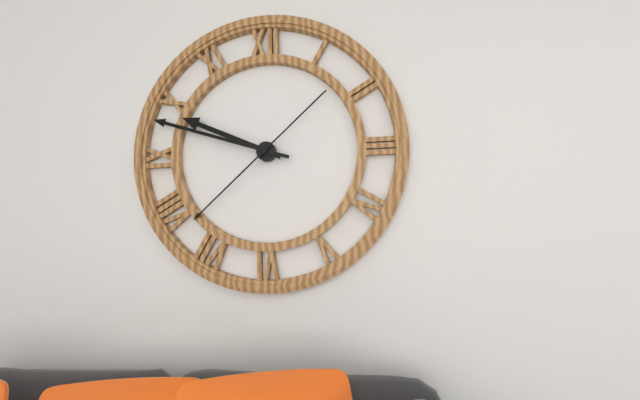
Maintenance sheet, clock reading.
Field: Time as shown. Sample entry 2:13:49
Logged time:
9:48:38
